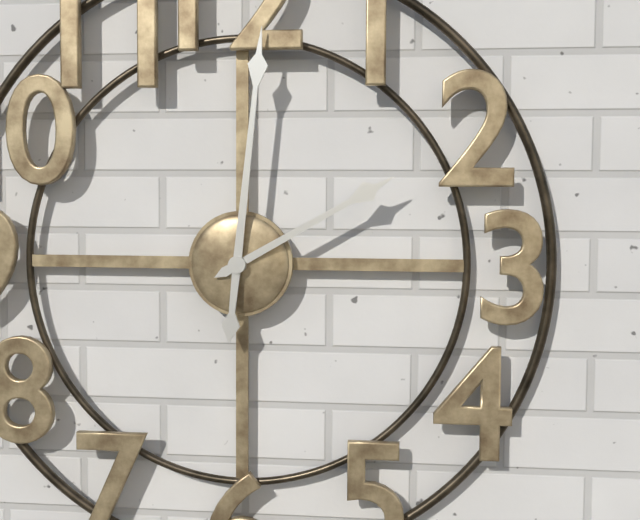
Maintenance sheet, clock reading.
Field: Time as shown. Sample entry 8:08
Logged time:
2:01
